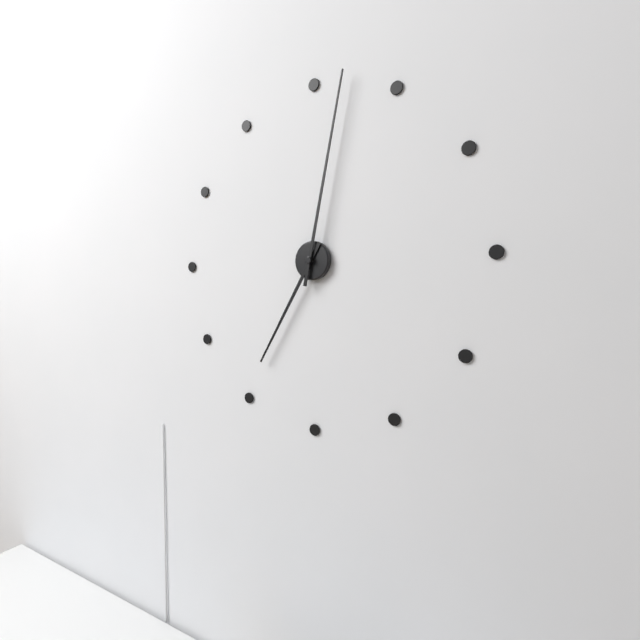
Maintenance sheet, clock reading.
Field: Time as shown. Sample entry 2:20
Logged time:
7:02
